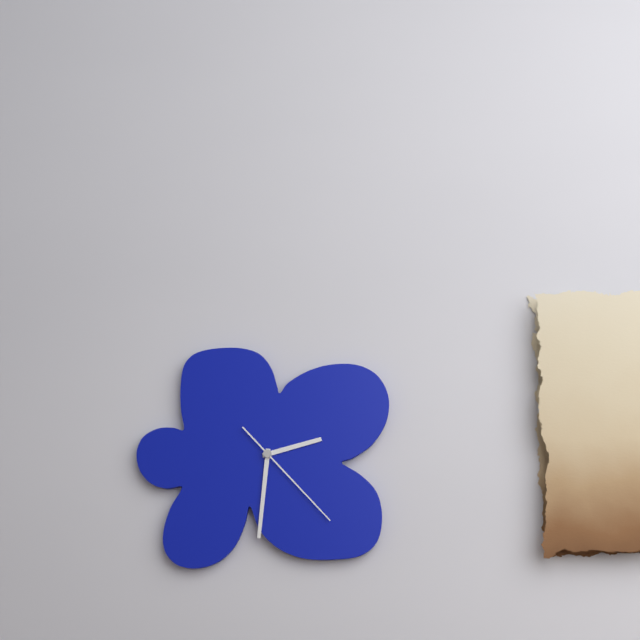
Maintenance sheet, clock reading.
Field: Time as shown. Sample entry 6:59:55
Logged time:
2:31:23
